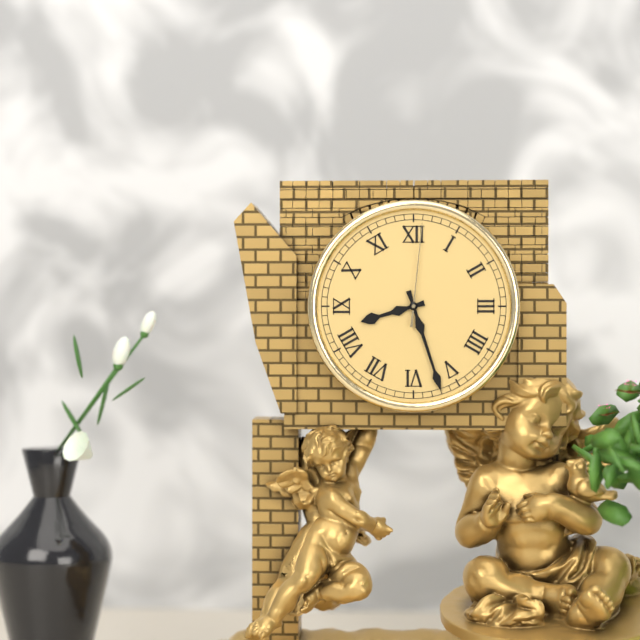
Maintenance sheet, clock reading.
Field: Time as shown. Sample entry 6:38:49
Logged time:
8:27:01
